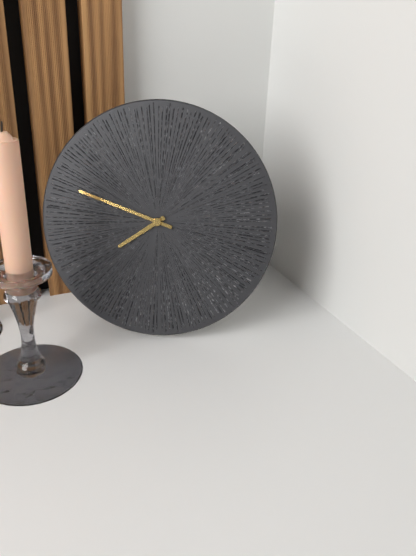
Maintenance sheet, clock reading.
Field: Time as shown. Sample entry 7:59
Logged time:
7:48
